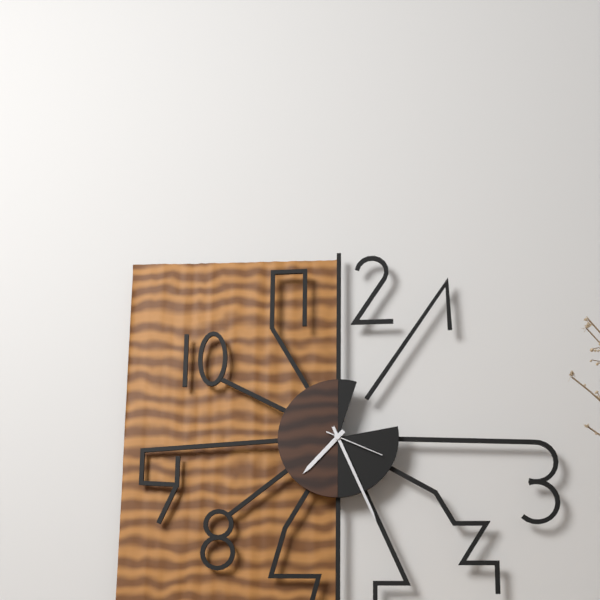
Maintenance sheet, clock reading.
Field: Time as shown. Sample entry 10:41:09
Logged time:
7:26:19
